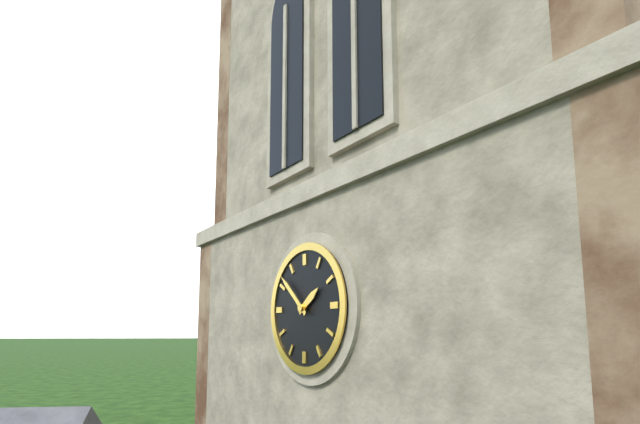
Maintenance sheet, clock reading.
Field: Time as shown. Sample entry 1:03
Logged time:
1:52
